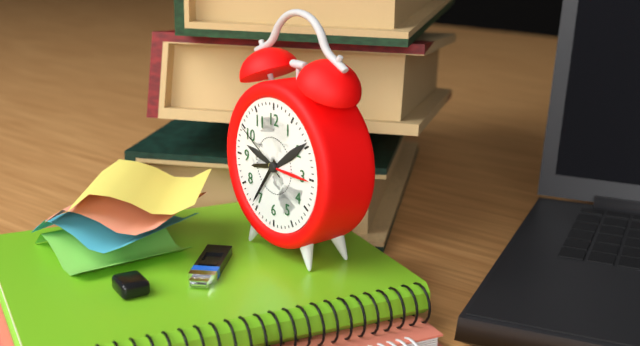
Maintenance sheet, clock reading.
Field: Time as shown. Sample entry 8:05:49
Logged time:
8:36:50
